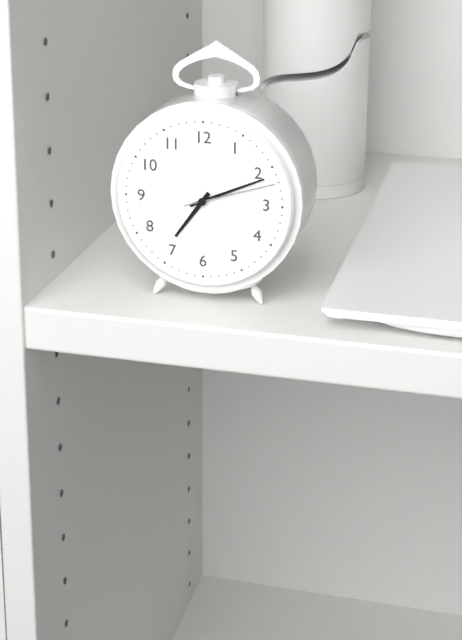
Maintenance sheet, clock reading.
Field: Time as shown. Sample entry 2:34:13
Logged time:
7:11:12
